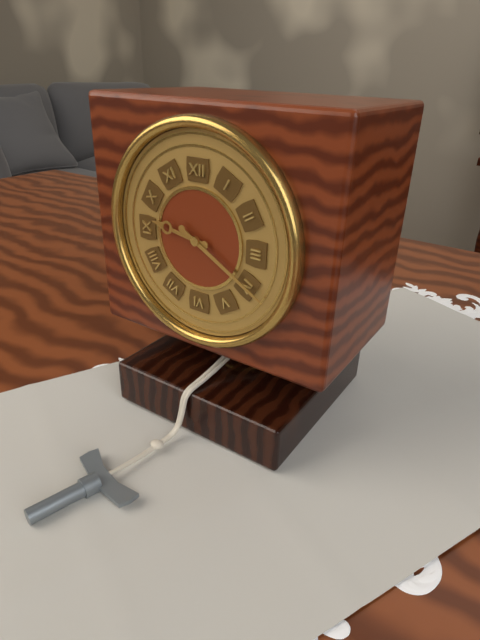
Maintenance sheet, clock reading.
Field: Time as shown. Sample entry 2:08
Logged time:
9:20
